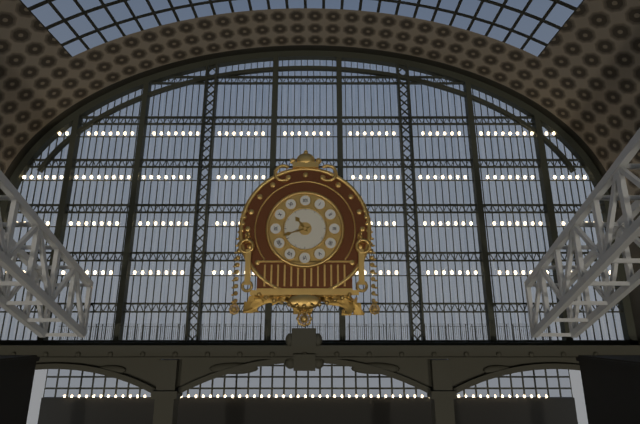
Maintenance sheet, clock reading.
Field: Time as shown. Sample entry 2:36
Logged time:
10:42
